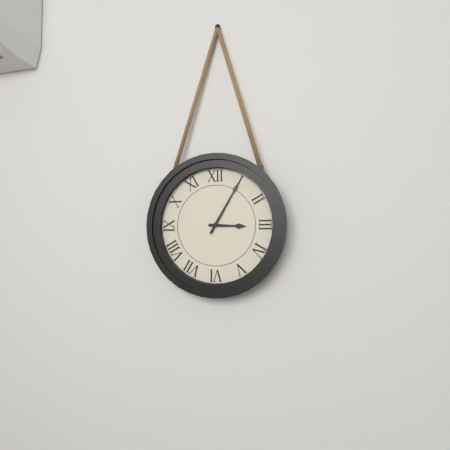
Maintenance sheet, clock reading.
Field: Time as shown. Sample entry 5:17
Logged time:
3:05
